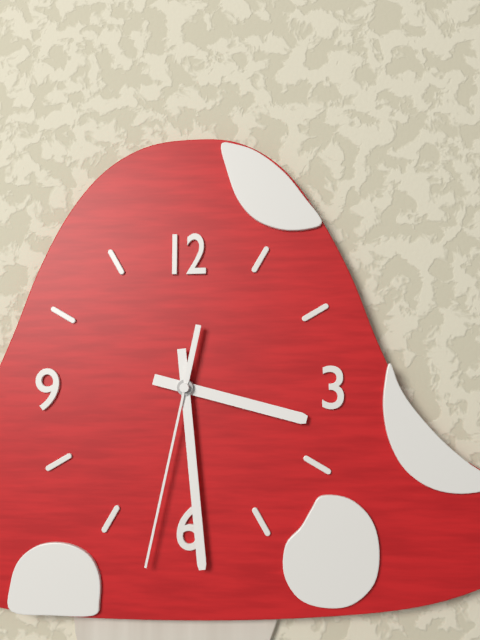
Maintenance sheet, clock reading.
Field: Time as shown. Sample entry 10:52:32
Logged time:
3:29:32
